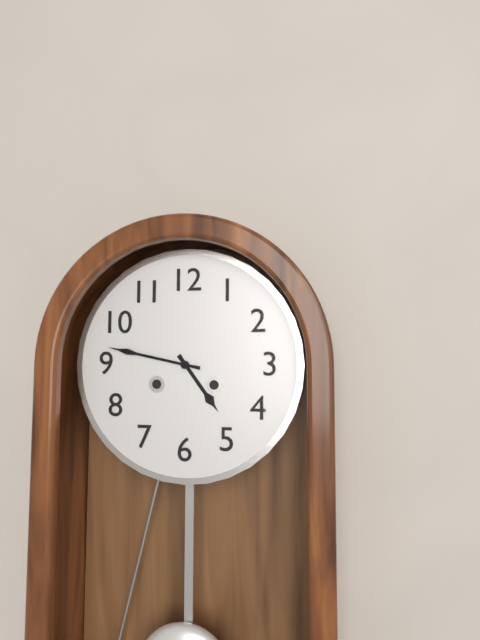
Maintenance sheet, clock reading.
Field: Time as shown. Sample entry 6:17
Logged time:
4:47
